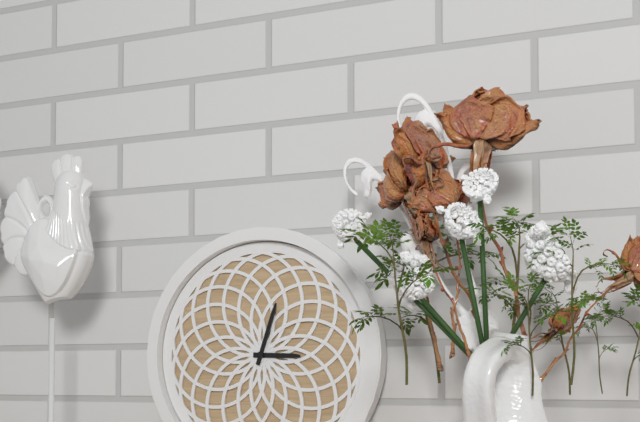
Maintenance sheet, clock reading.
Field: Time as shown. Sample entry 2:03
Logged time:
3:03
